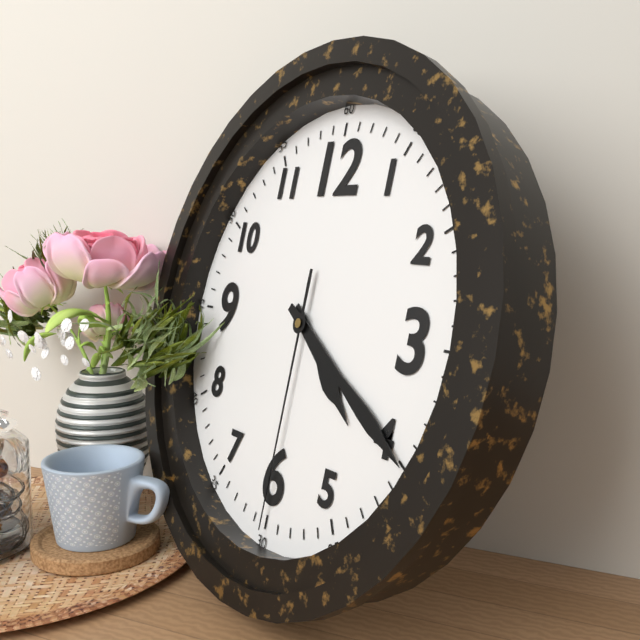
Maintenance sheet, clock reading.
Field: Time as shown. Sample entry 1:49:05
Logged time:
4:20:30
